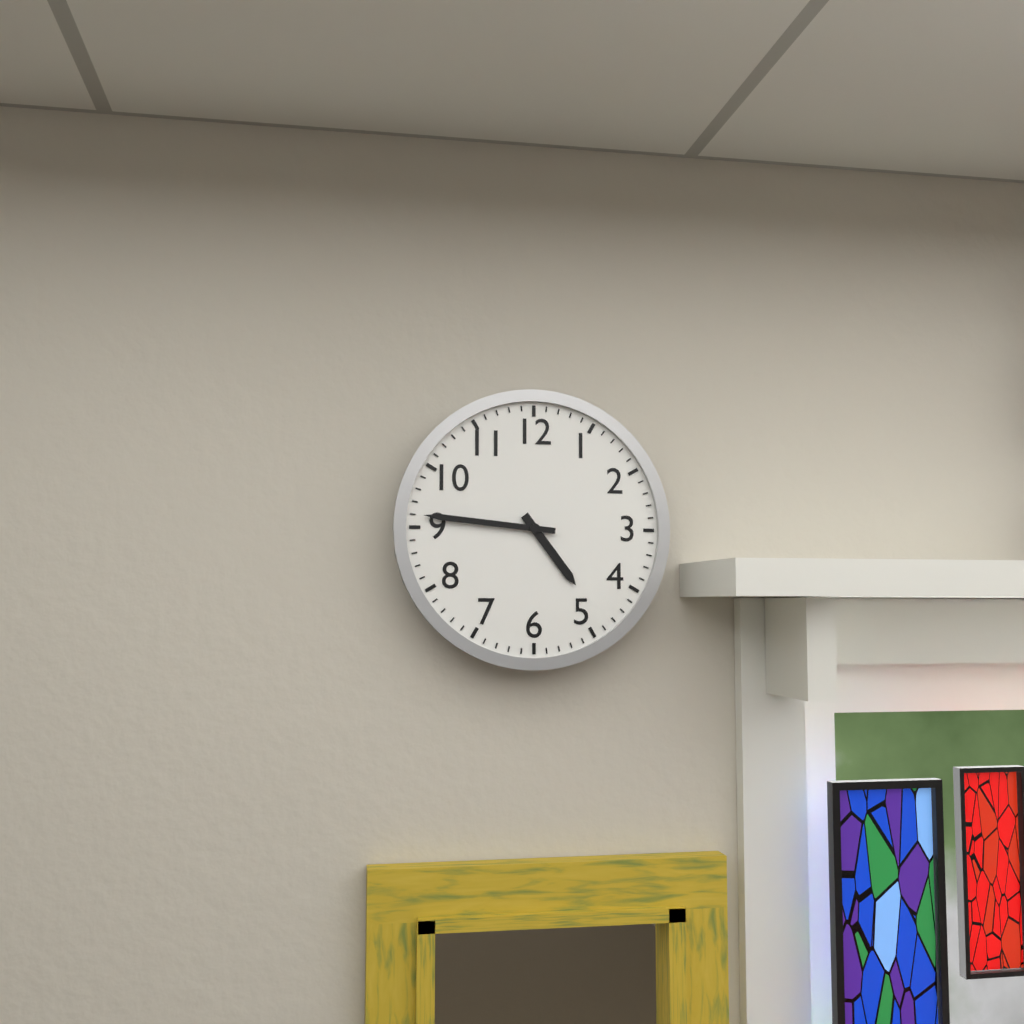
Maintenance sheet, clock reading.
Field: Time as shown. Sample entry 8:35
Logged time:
4:46
